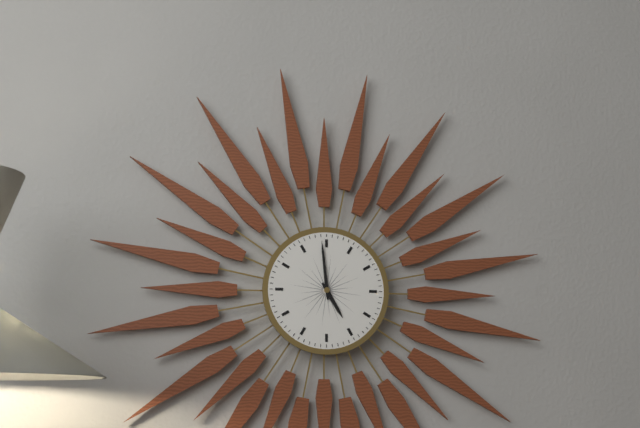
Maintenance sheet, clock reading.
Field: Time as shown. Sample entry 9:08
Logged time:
4:59
